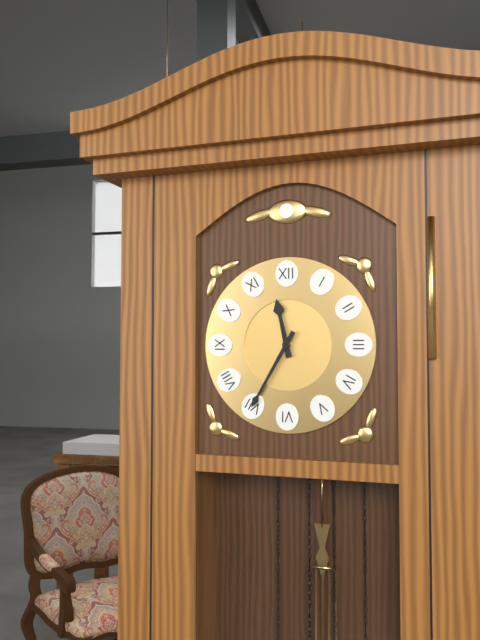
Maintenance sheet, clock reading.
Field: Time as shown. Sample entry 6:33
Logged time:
11:35
